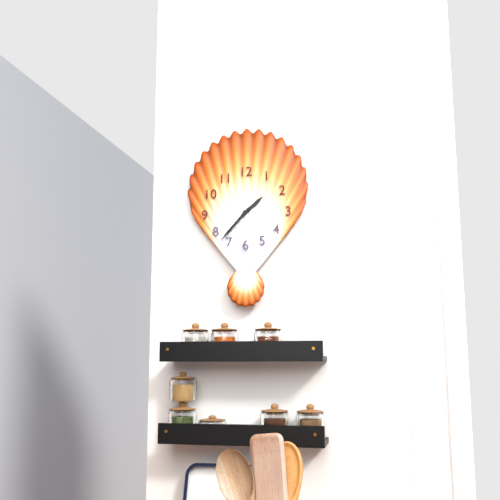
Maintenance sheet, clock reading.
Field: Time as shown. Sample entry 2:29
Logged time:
1:37
